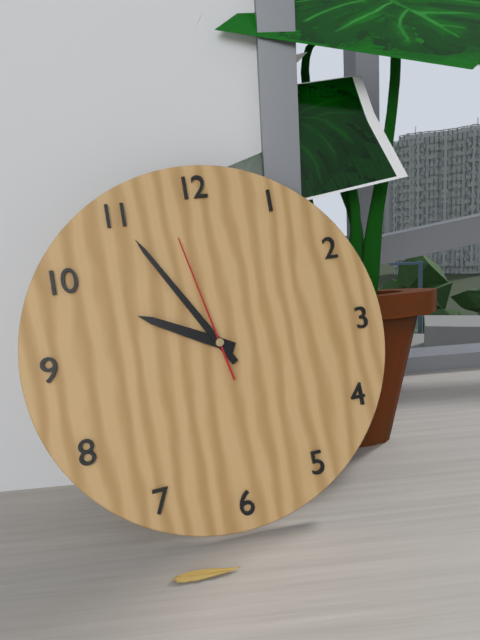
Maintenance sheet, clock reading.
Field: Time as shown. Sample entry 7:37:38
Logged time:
9:55:58
